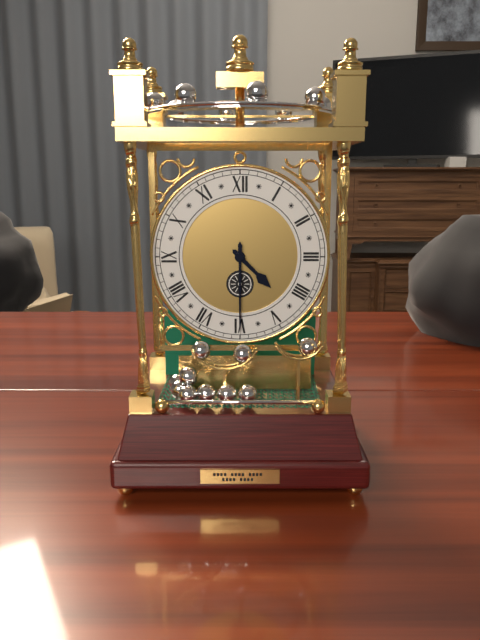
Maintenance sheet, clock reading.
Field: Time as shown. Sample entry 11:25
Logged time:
4:30
